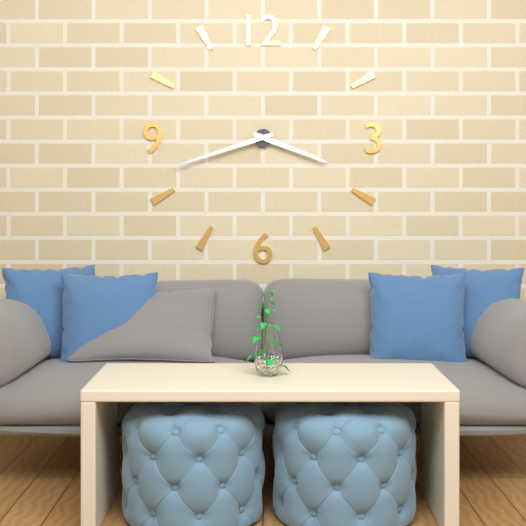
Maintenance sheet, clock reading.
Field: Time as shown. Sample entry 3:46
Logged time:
3:42
